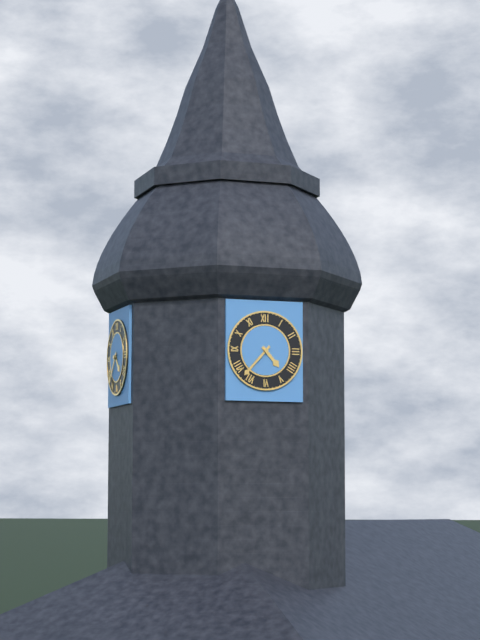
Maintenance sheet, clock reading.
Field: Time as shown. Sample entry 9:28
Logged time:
4:37
